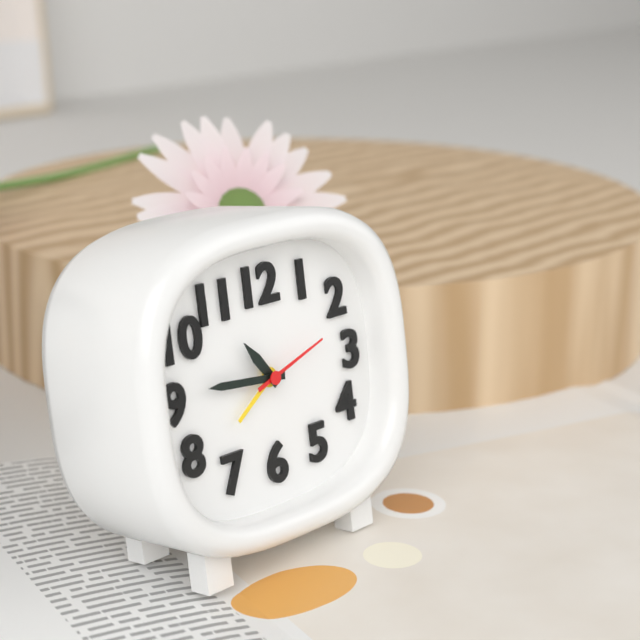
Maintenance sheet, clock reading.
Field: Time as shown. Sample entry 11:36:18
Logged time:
10:46:12
